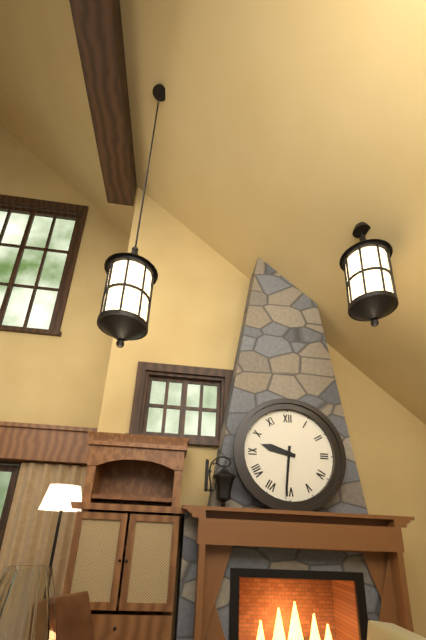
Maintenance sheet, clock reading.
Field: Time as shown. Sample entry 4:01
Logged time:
9:31
